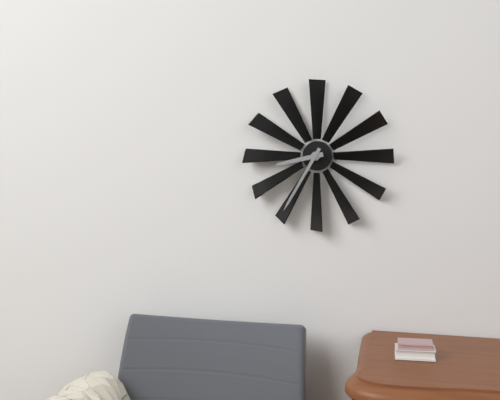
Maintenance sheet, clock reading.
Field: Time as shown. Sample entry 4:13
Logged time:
8:35
